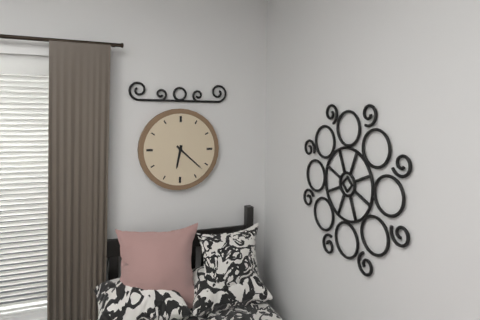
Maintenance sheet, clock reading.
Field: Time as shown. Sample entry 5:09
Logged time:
6:22
